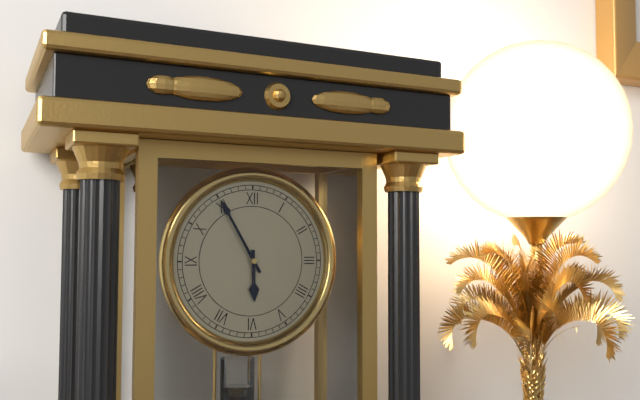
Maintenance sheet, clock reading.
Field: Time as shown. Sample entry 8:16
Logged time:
5:55
